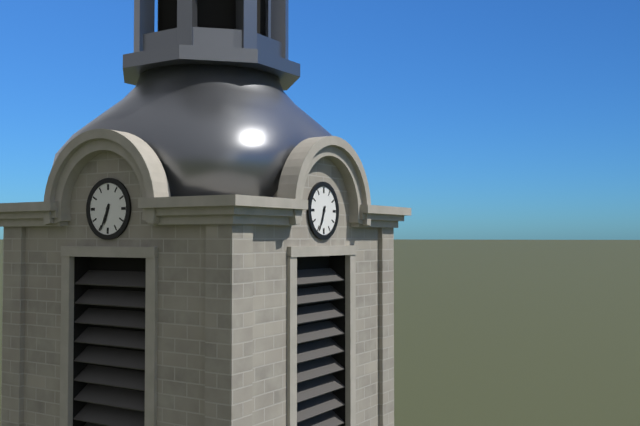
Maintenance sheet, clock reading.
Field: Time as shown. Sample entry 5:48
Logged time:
6:34
